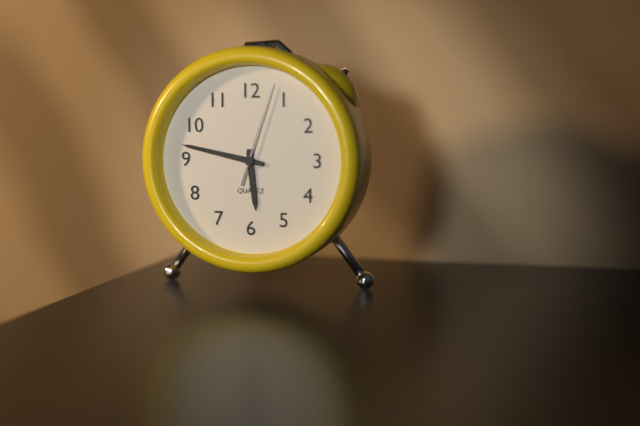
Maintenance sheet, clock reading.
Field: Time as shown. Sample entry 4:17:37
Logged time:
5:47:03
